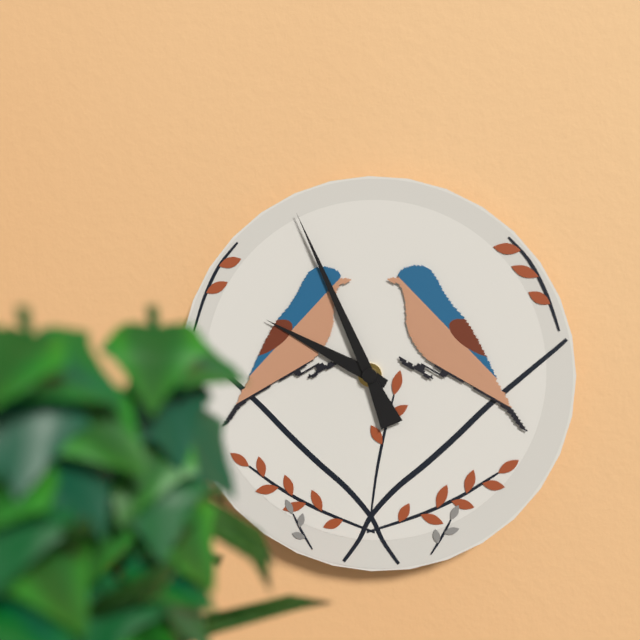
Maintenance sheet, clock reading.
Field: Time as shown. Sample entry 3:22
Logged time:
9:56
